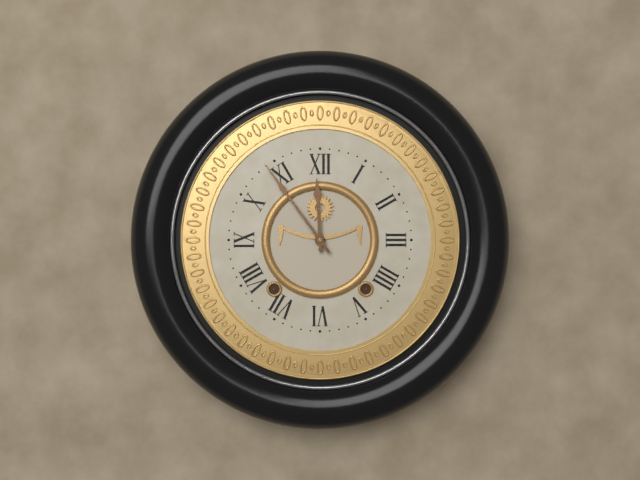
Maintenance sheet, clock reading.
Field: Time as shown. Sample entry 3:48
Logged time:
11:54
